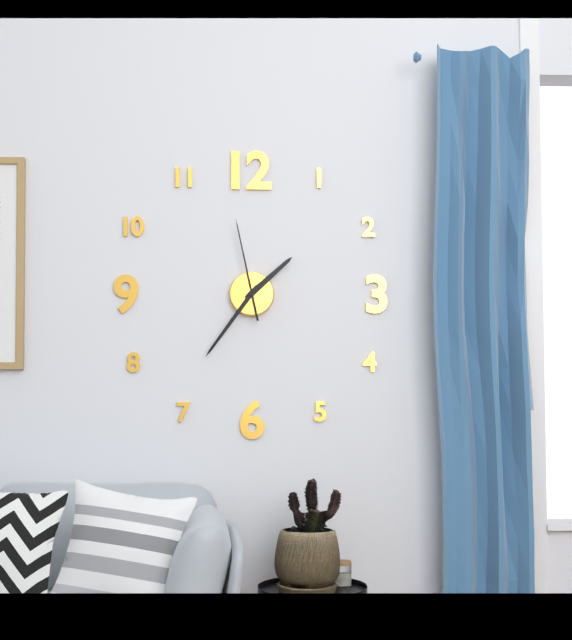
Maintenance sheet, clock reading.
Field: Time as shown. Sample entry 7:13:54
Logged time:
1:36:58
